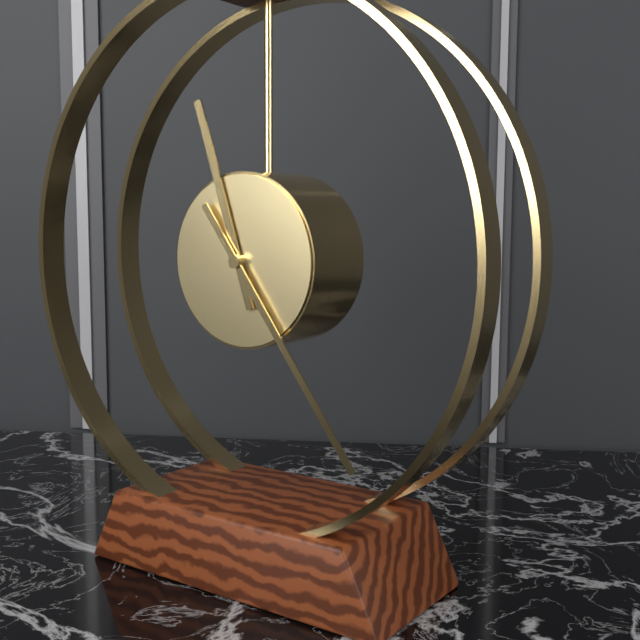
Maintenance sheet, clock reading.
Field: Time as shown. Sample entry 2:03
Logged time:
11:24
